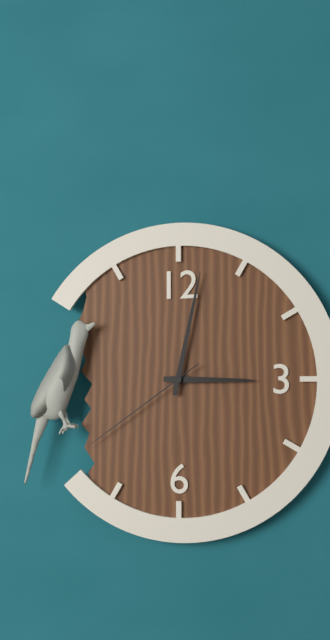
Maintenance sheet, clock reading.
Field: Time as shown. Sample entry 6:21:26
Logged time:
3:02:39
